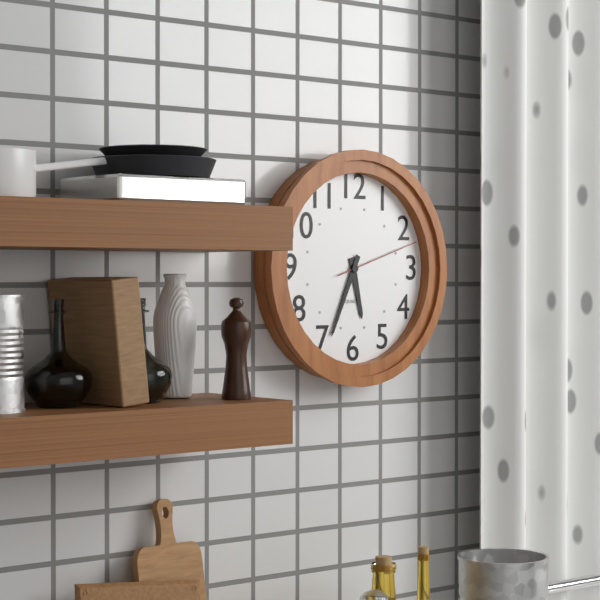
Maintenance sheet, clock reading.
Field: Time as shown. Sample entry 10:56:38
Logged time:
5:34:12
